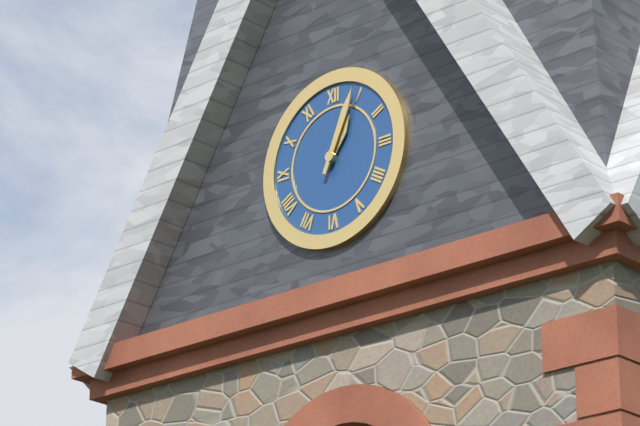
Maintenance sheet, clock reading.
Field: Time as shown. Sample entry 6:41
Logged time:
1:04
